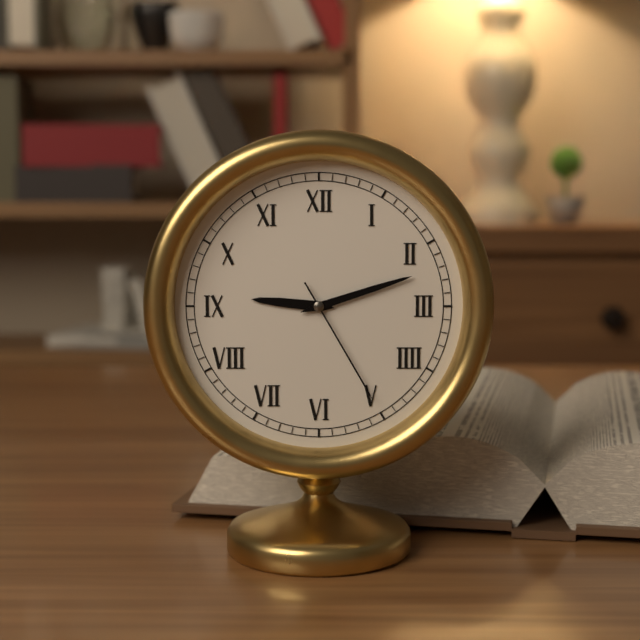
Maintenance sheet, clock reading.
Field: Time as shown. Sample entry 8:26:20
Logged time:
9:12:25
